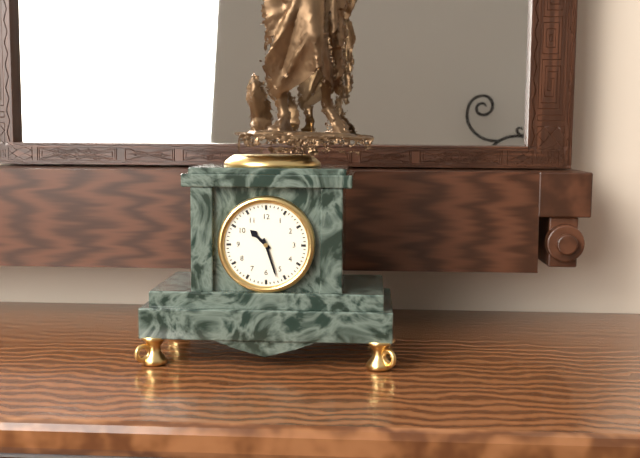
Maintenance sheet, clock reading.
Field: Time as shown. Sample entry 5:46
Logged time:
10:27
